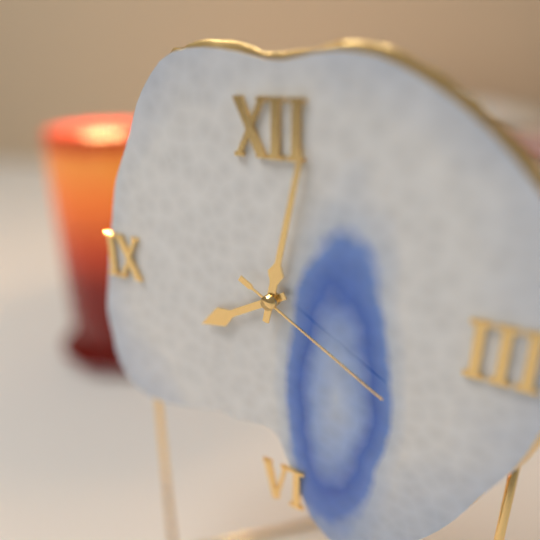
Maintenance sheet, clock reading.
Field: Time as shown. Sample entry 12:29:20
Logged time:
8:02:20
